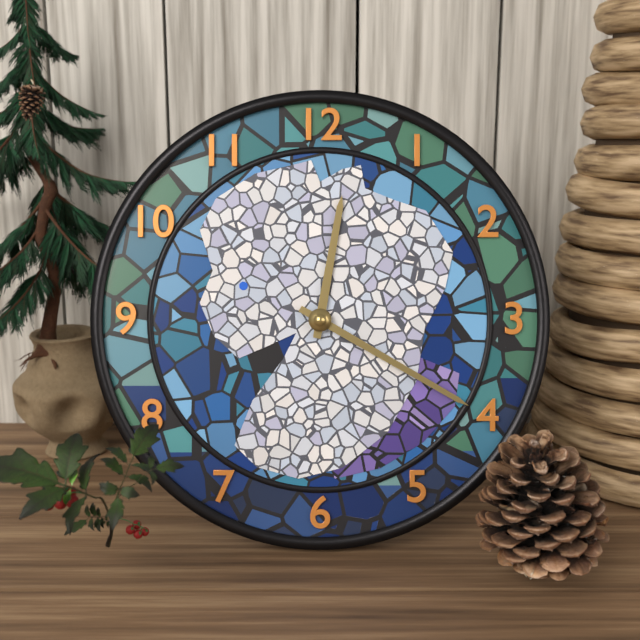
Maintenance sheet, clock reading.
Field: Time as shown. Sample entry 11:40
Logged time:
12:20
